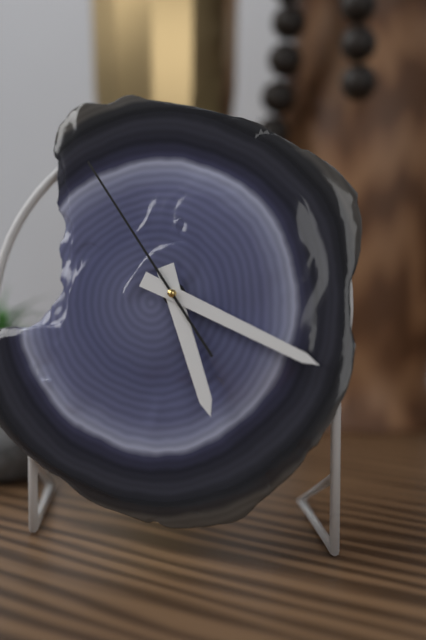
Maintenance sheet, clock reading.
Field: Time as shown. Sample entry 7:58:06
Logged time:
5:19:54
